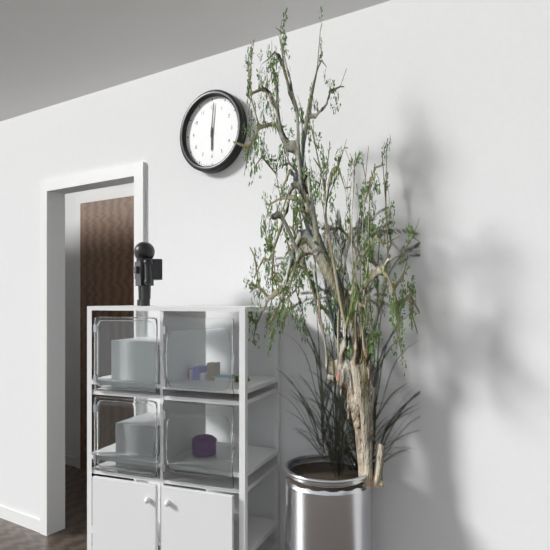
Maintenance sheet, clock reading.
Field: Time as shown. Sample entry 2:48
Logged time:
6:01
